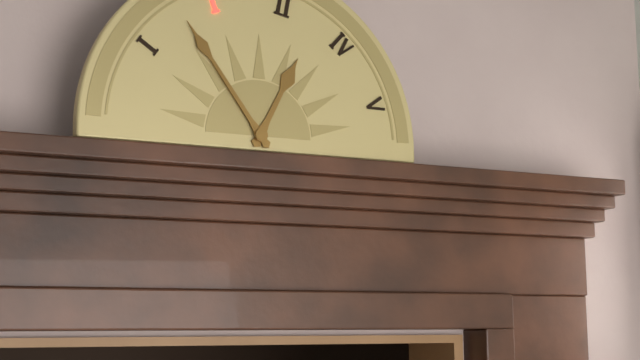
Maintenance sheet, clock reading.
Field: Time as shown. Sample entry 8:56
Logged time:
12:54
